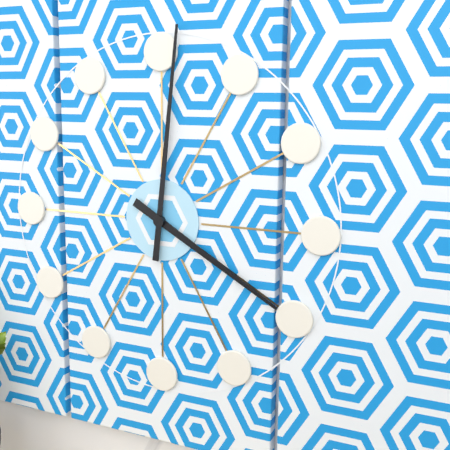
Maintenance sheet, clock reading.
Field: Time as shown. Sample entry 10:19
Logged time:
4:01
